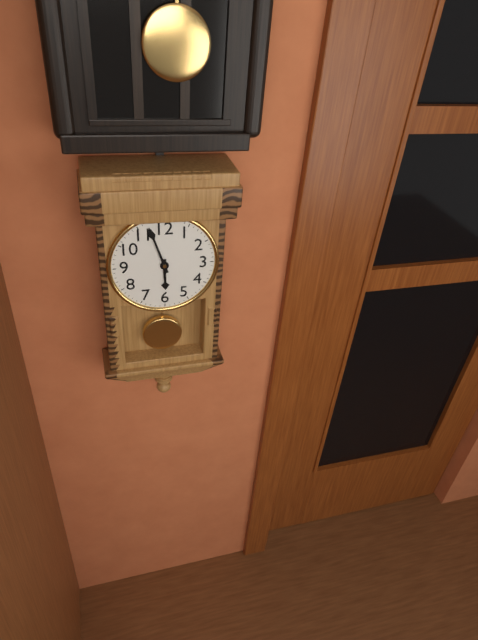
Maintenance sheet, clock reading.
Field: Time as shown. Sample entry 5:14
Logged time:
5:57
